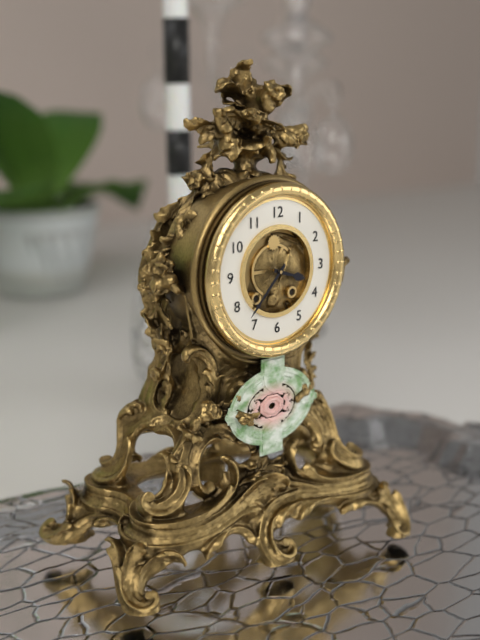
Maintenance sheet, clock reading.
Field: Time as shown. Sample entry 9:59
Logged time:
3:37
